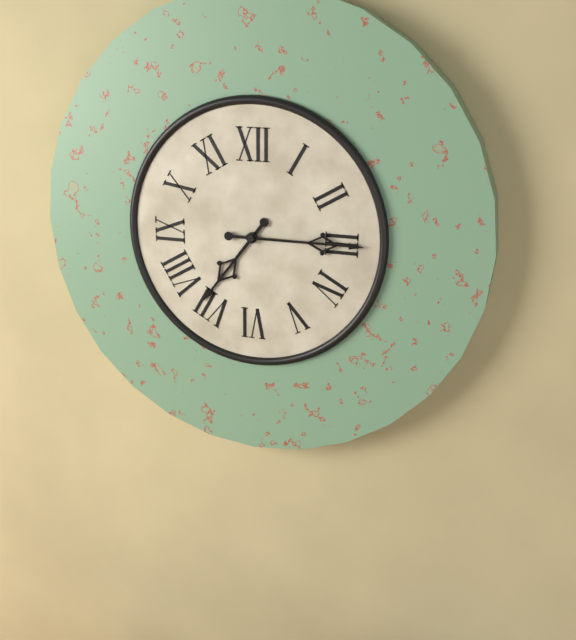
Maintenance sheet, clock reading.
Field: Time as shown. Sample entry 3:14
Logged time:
7:15
